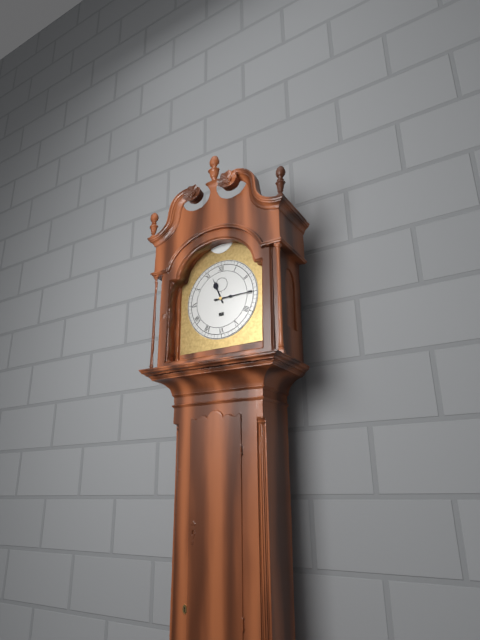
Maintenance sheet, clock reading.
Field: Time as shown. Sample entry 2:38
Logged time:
11:15
